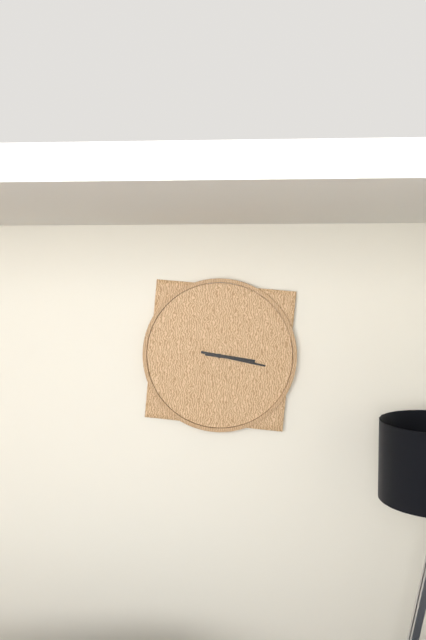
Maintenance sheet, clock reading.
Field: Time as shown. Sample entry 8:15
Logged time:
3:17
